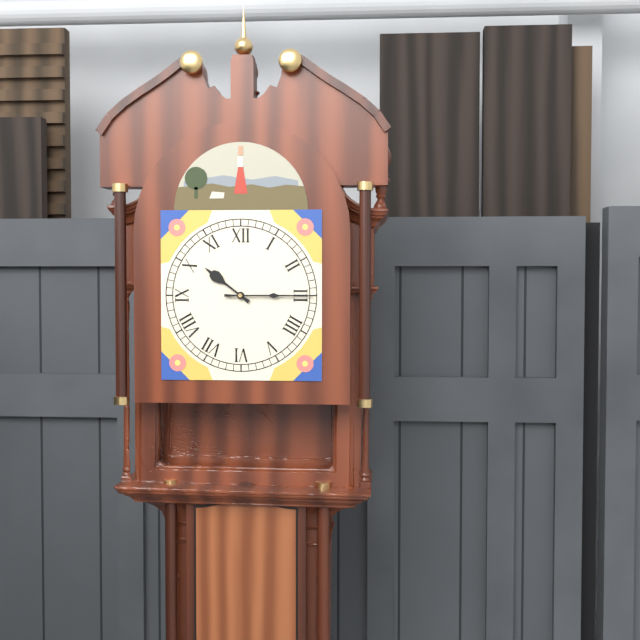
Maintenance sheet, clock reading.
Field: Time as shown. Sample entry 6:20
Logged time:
10:15
